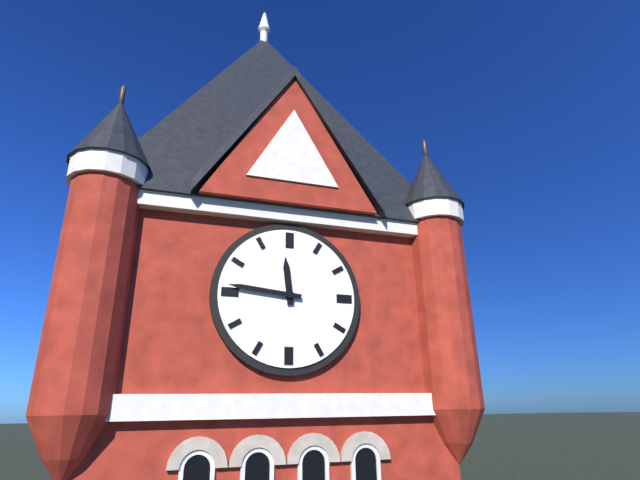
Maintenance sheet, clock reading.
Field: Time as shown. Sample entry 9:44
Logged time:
11:46
